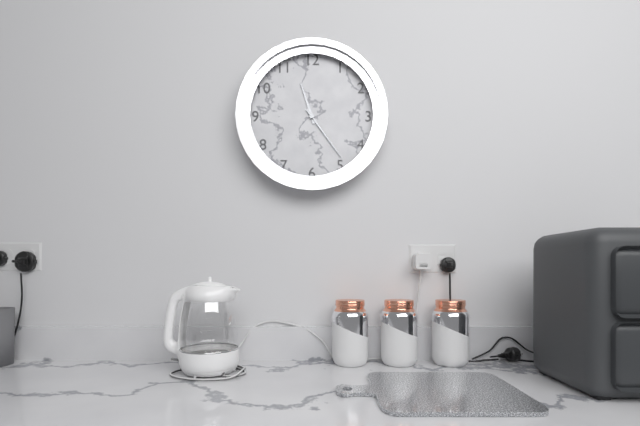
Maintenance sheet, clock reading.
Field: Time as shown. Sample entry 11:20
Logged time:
11:24
